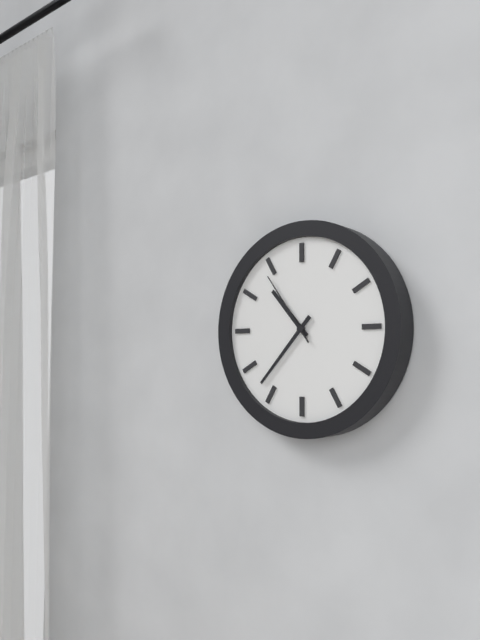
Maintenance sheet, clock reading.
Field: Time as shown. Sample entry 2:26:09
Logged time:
10:37:54
